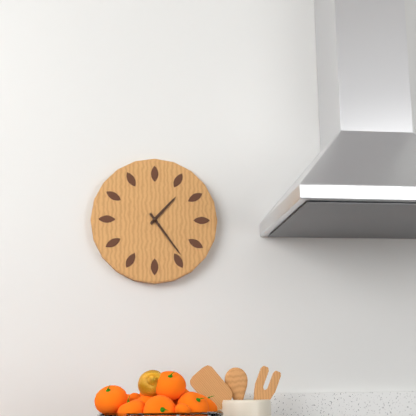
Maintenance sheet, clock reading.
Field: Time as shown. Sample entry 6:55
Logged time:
1:24
